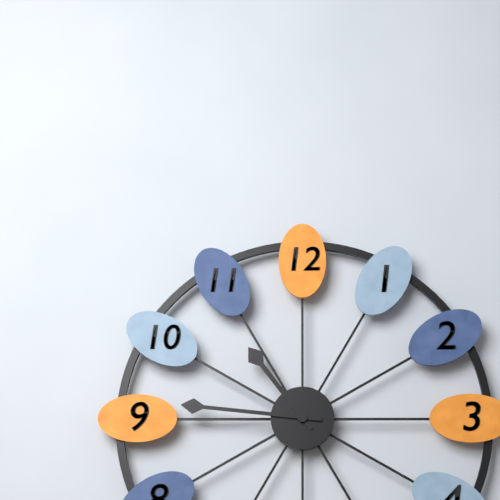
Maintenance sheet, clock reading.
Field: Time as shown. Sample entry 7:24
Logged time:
10:46
